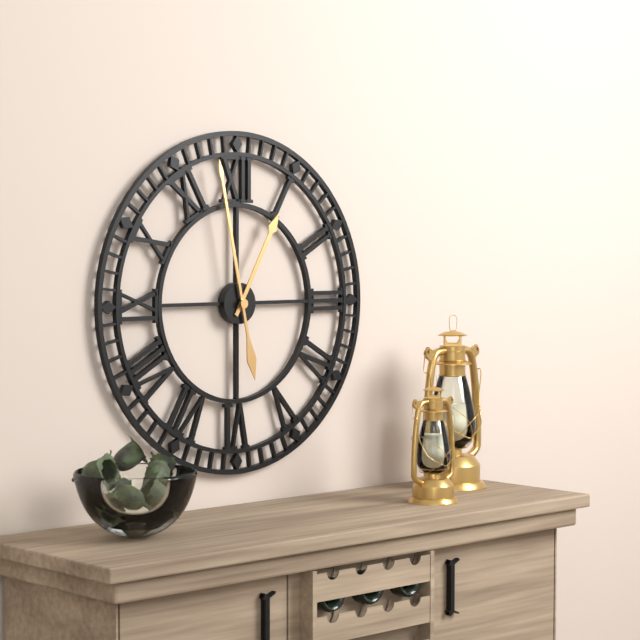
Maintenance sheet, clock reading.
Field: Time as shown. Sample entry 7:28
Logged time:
12:58
